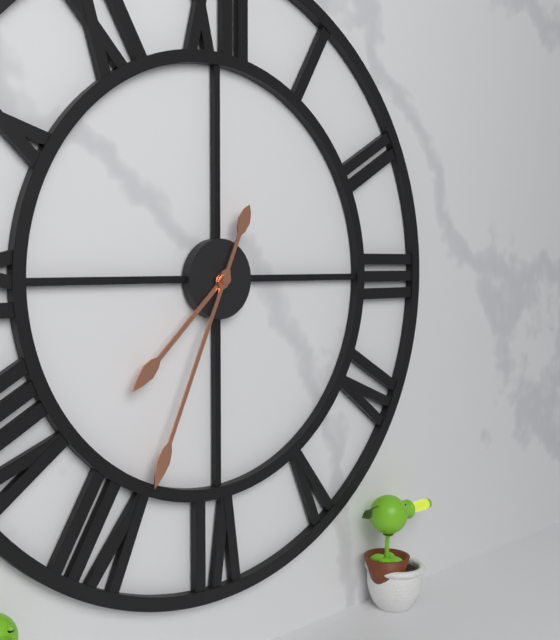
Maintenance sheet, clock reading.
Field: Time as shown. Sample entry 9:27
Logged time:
7:34
